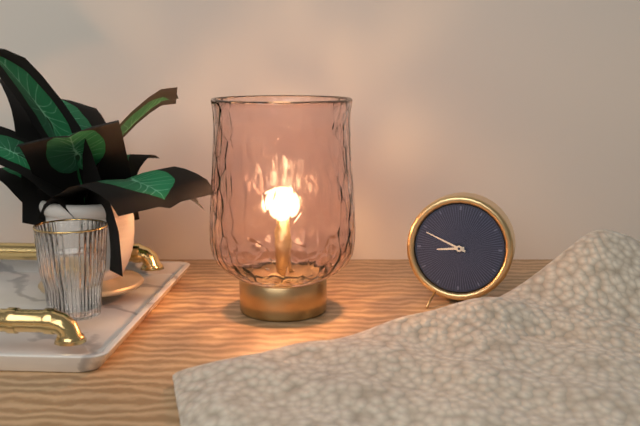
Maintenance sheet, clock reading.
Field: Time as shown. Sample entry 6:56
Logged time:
8:49
